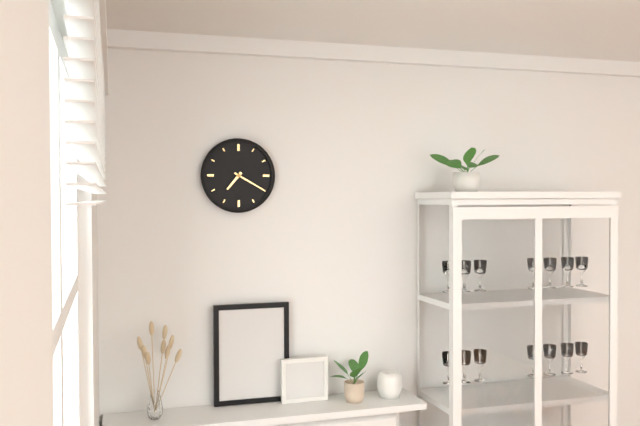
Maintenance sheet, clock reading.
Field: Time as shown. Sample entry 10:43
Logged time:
7:20
